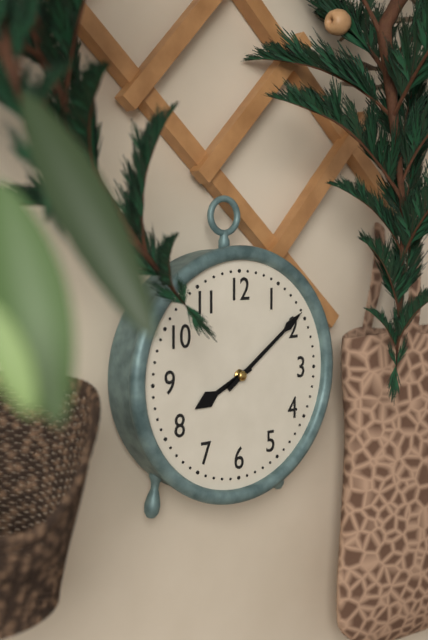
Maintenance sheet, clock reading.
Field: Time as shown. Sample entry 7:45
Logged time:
8:09
